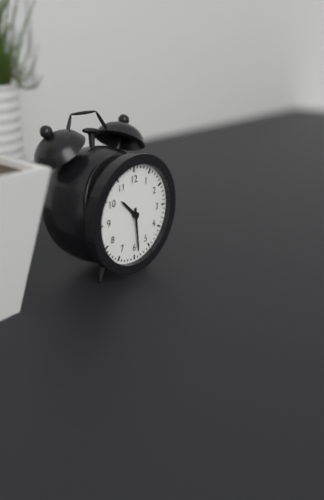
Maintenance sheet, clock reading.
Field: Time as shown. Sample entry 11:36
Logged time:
10:29
